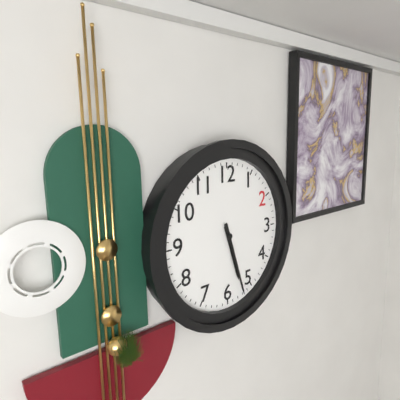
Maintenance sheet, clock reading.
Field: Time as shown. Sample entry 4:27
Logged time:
5:27
